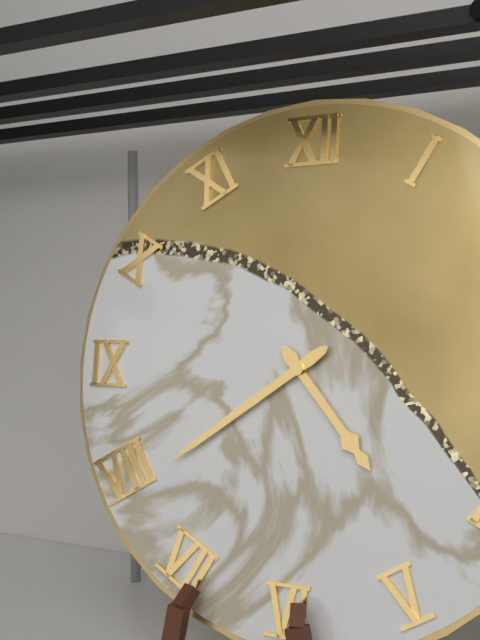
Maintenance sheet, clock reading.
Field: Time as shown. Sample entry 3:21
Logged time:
4:39
